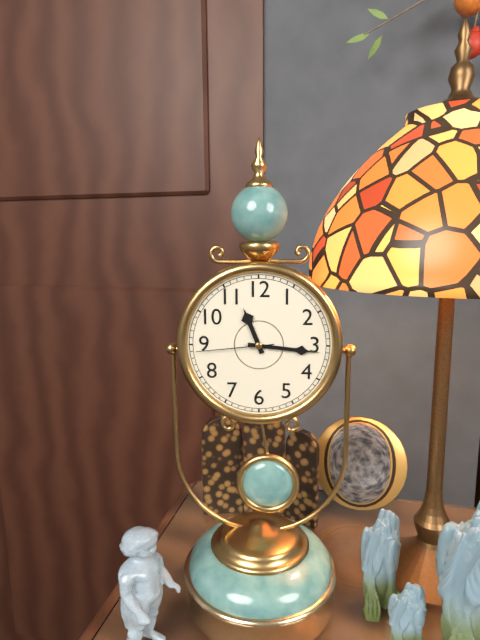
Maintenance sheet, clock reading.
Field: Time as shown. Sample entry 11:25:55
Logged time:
11:16:44
